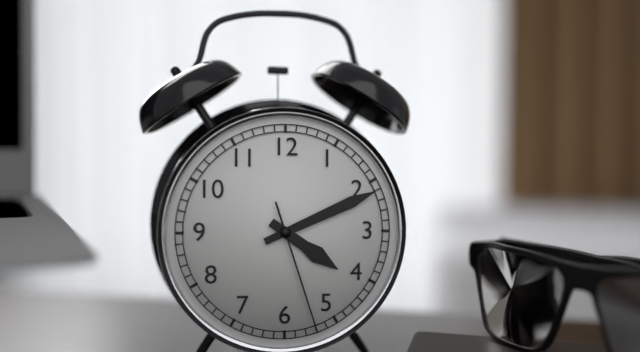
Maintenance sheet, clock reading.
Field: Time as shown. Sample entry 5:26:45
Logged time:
4:11:27
